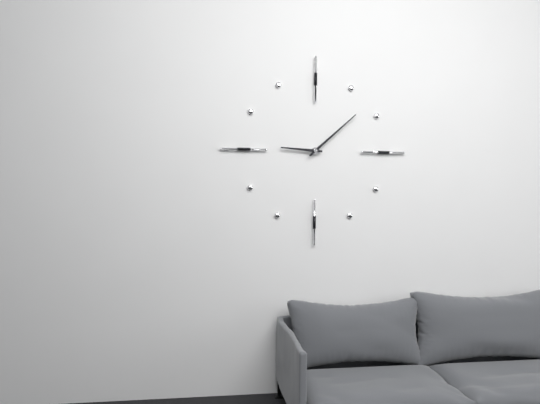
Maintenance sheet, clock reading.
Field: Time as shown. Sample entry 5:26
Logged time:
9:08
